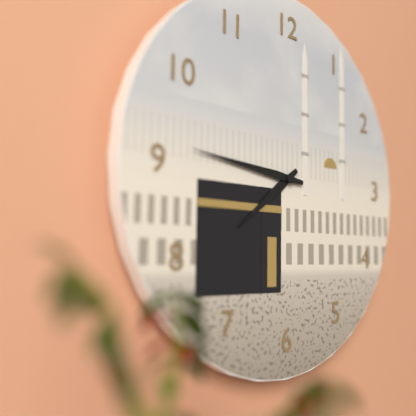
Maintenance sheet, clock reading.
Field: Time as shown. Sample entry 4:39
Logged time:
7:46
